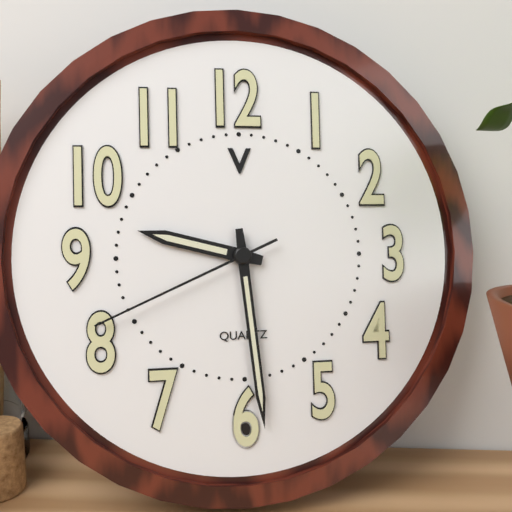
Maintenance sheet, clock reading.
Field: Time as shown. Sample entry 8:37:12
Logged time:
9:29:41
